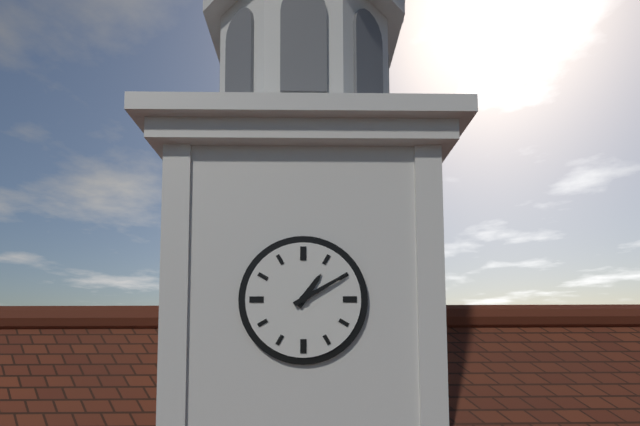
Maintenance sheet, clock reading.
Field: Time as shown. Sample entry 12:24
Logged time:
1:10
